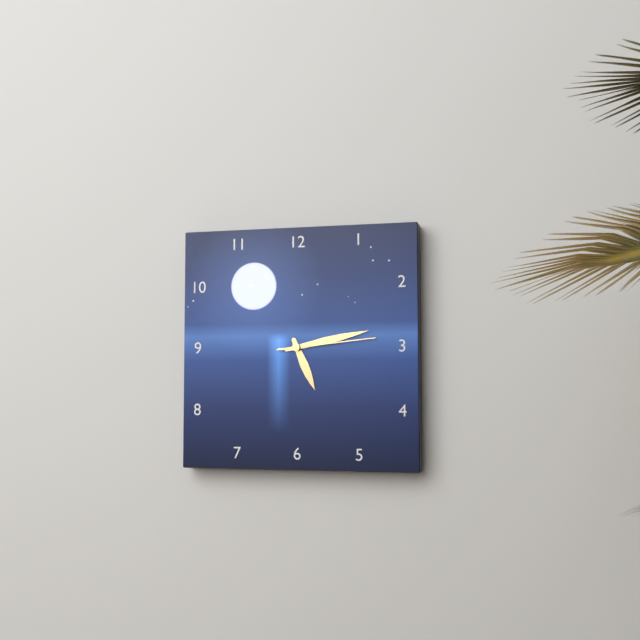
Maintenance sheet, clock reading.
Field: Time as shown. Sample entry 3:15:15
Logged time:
5:13:14
